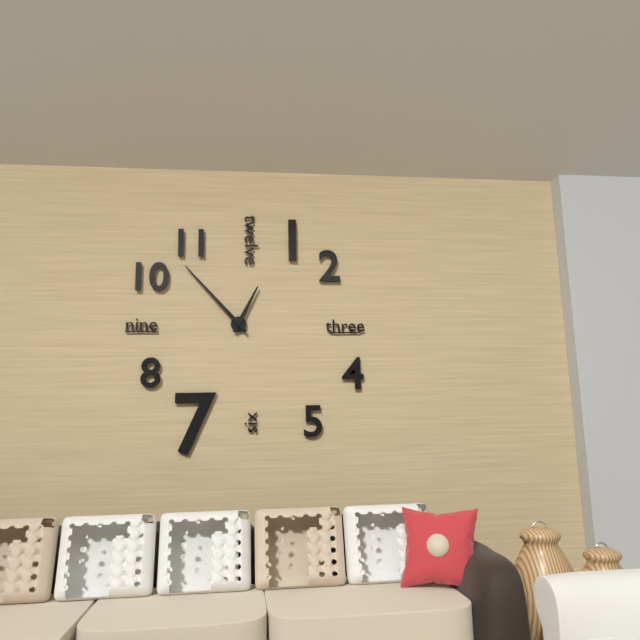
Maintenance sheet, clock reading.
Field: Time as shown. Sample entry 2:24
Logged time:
12:53
